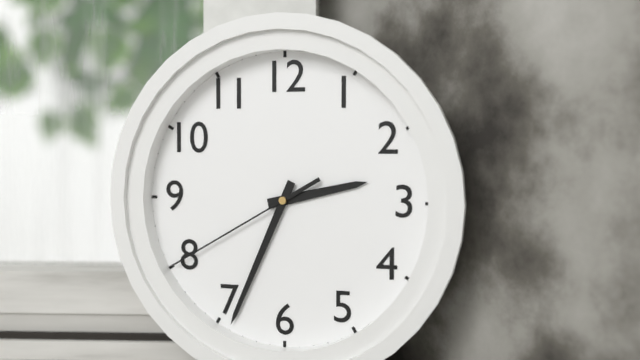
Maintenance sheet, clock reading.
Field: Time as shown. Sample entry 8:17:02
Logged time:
2:34:40
